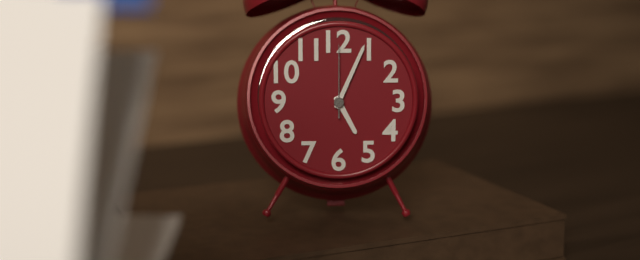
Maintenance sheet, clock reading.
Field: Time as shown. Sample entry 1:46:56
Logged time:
5:04:00
